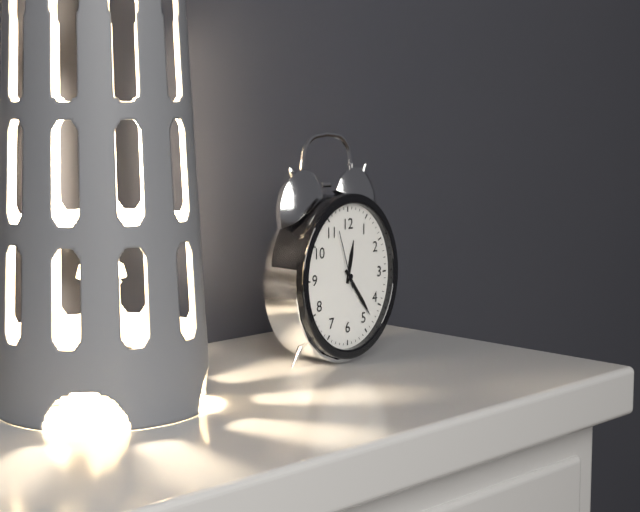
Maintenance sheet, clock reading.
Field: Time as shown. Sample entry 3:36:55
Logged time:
12:24:57
